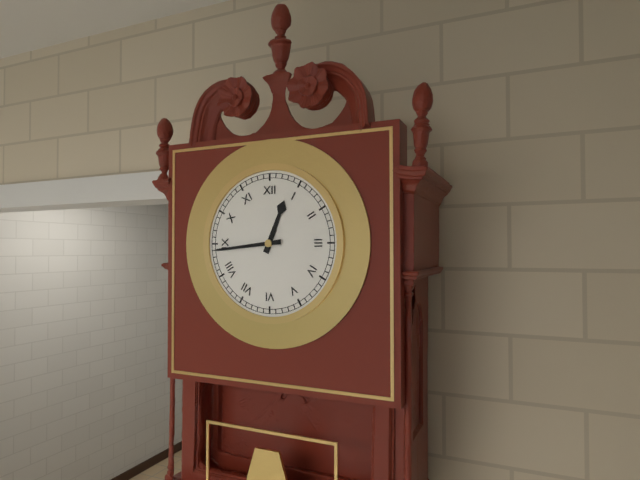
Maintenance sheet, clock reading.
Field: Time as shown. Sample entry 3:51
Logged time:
12:44
